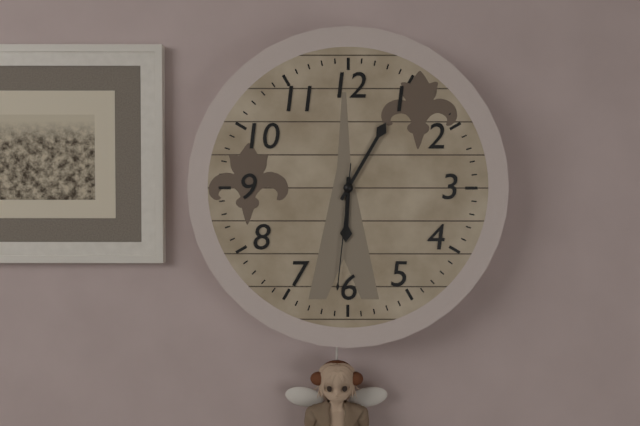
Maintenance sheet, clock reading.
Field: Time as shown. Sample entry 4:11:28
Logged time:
6:05:31
